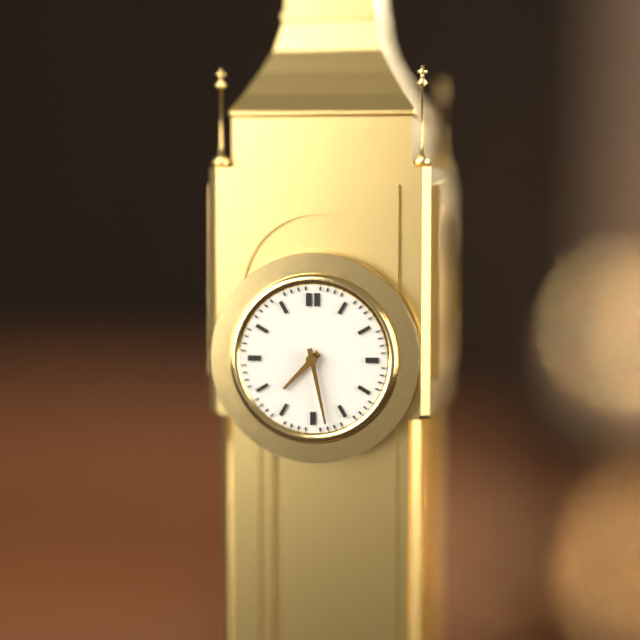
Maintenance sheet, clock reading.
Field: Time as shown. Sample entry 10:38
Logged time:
7:28
